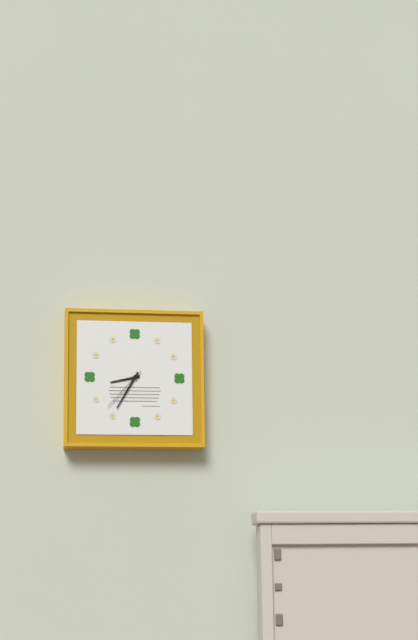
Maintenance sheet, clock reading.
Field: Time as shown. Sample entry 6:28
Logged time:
8:35
